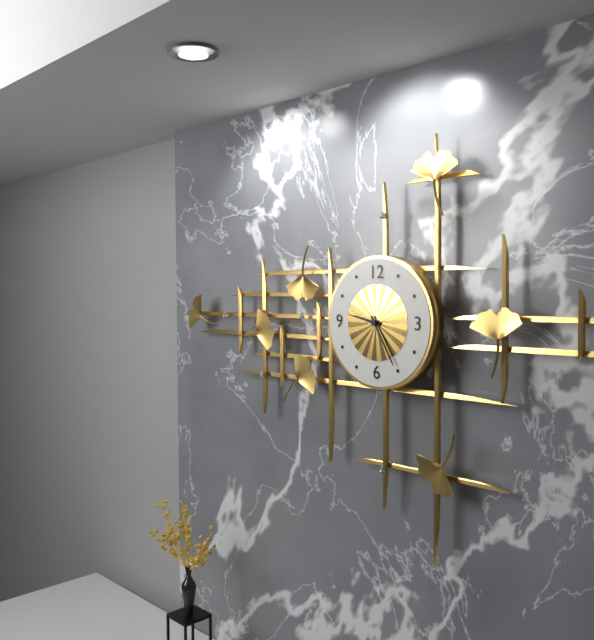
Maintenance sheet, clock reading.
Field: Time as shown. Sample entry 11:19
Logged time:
9:25
